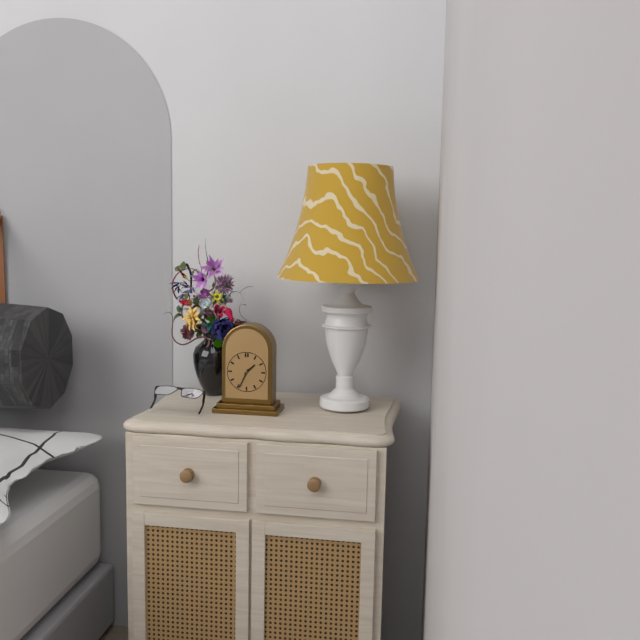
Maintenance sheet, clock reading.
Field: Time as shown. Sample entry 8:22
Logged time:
1:34
